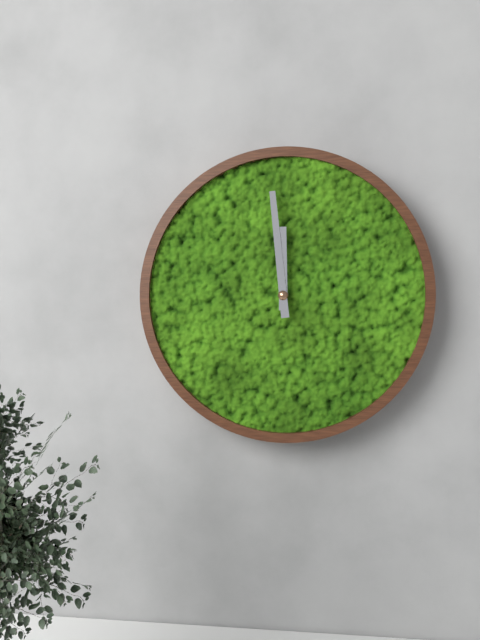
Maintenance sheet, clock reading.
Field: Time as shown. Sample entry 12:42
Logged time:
11:59
